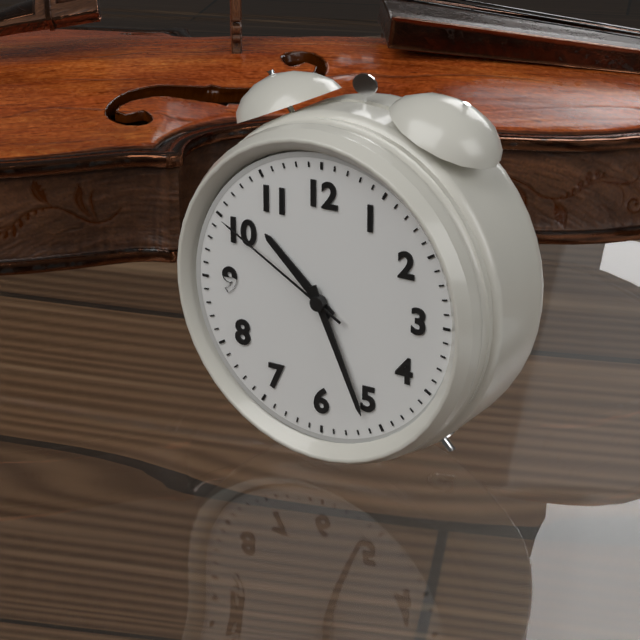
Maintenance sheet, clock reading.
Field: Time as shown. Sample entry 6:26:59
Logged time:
10:26:50
